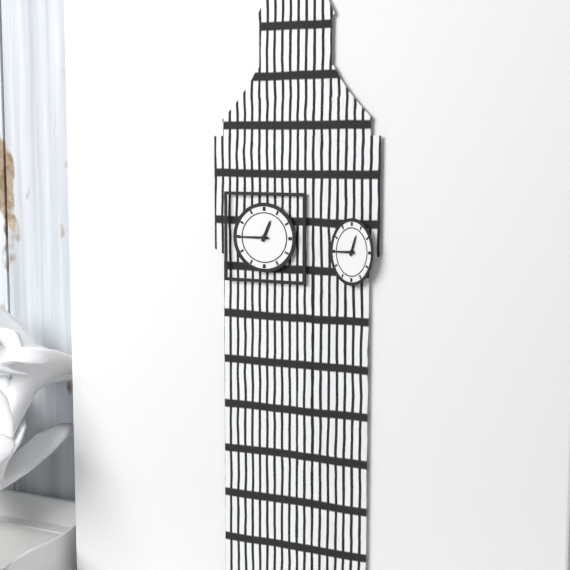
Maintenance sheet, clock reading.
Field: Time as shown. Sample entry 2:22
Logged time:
12:45
